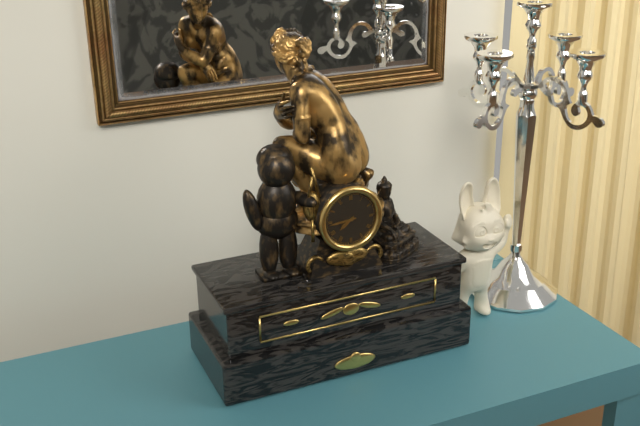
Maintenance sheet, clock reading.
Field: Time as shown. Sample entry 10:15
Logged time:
7:44
